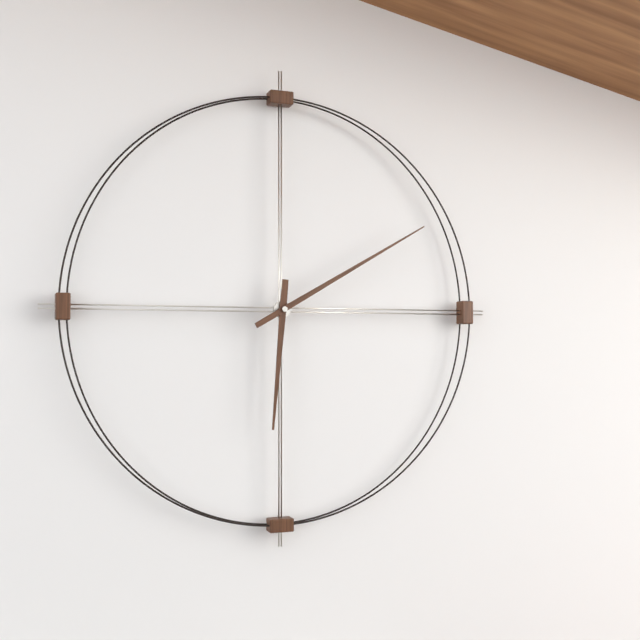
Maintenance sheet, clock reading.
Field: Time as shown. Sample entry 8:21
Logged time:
6:10
